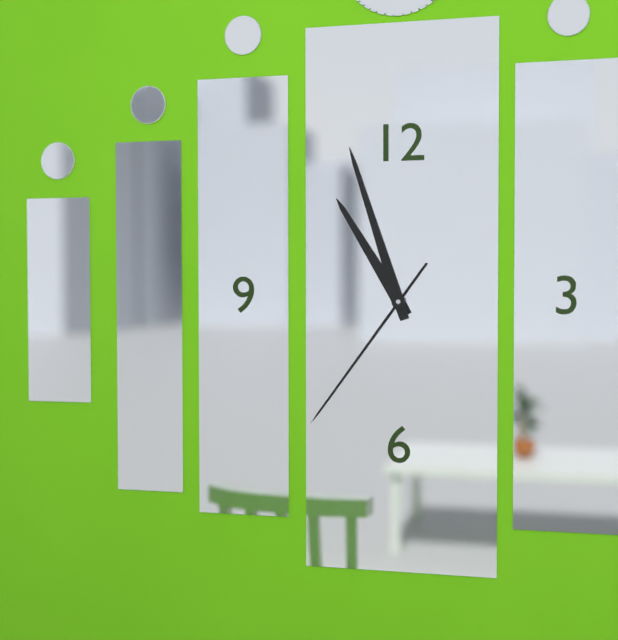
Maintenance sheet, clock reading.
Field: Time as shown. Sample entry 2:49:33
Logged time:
10:57:36
